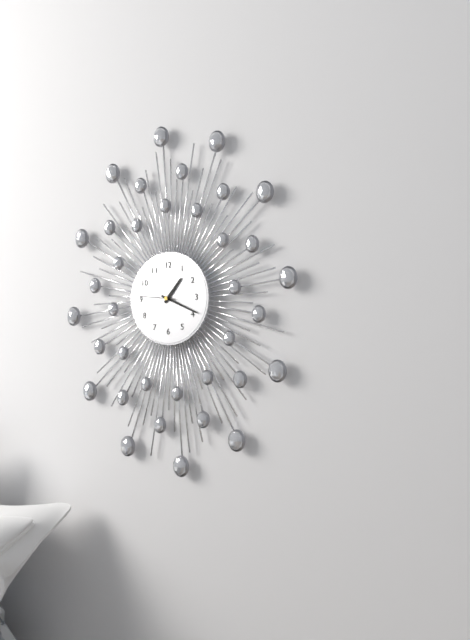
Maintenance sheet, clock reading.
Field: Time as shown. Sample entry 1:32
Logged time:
1:19
